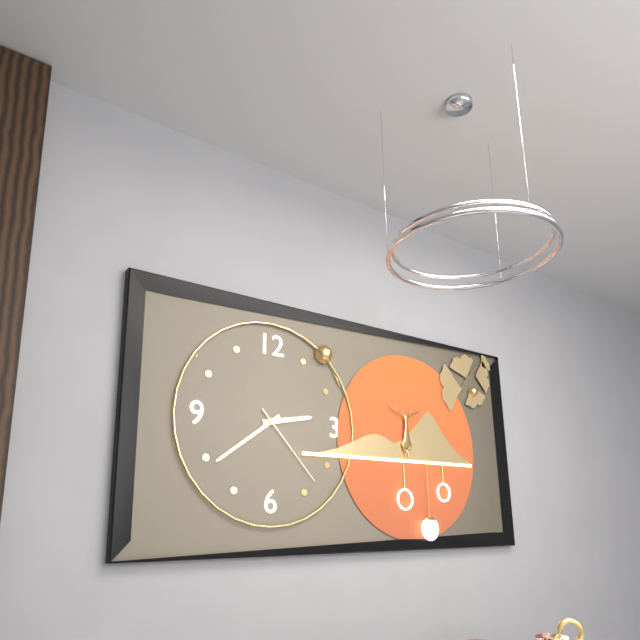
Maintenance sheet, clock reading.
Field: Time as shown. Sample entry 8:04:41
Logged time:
2:39:23
